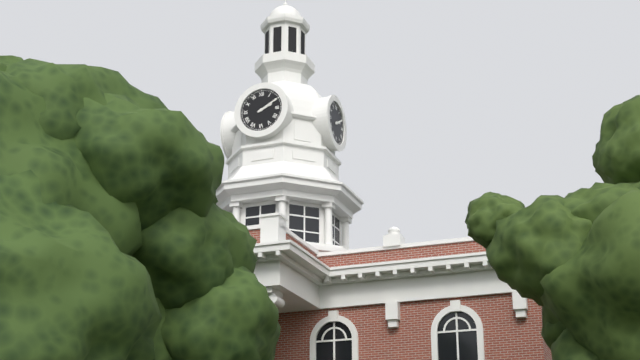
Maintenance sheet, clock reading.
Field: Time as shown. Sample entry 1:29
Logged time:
2:10
